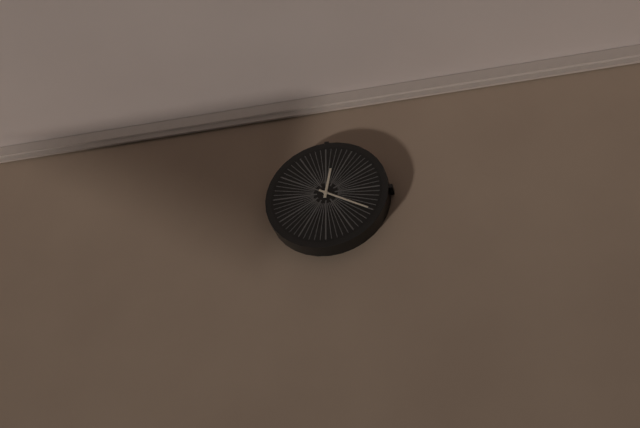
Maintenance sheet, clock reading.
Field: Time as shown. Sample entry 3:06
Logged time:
12:20
